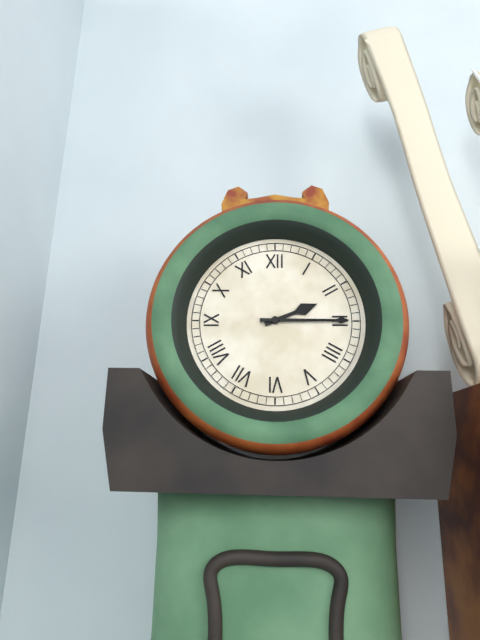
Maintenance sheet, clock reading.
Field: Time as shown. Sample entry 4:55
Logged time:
2:15
